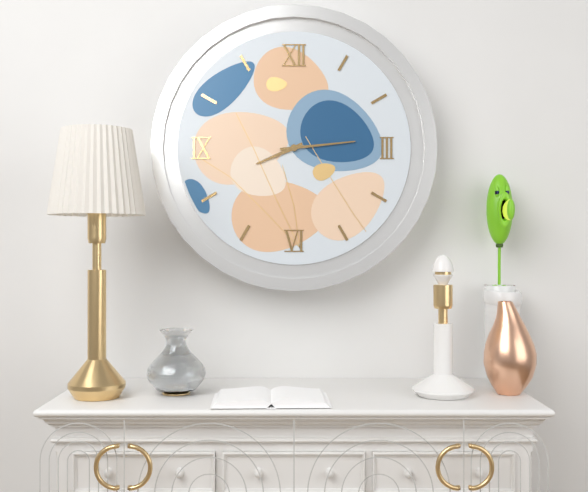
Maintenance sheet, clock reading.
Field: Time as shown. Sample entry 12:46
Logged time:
8:14
